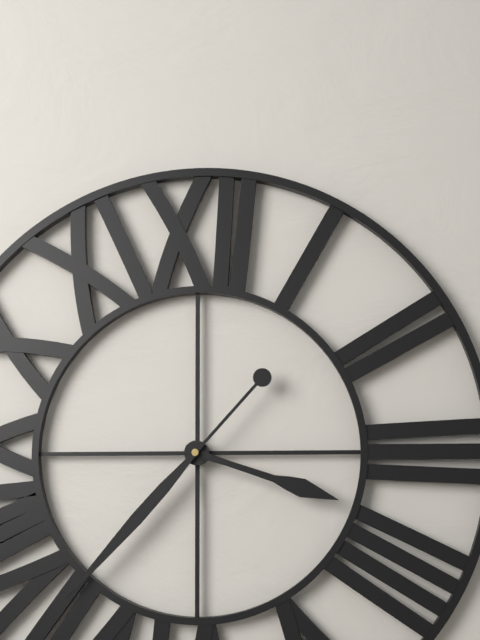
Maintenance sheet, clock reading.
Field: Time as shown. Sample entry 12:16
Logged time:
3:37
